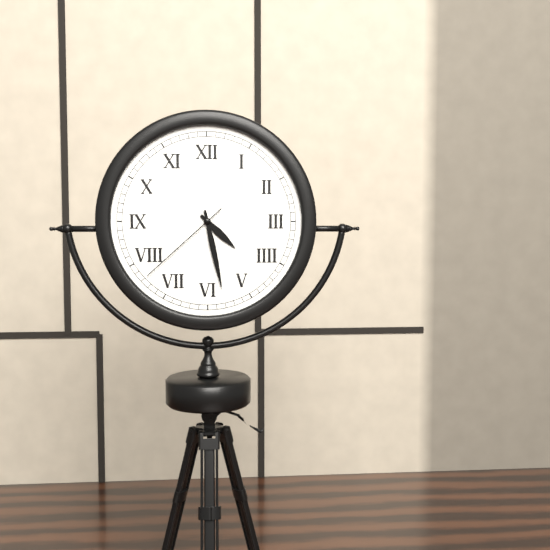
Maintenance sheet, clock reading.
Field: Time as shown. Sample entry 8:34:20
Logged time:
4:28:38
